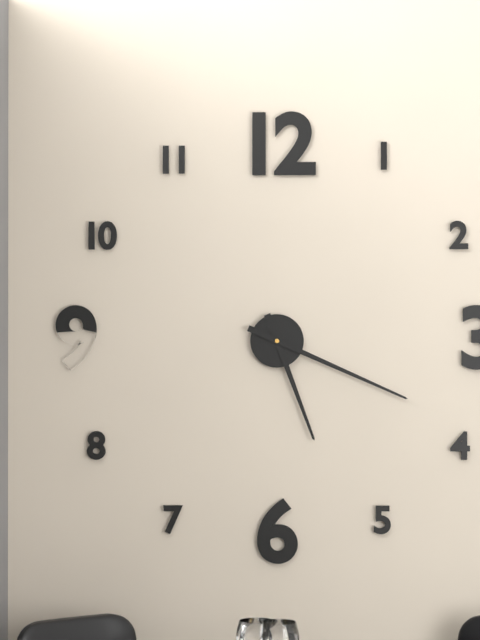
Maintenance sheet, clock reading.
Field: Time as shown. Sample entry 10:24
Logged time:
5:19
